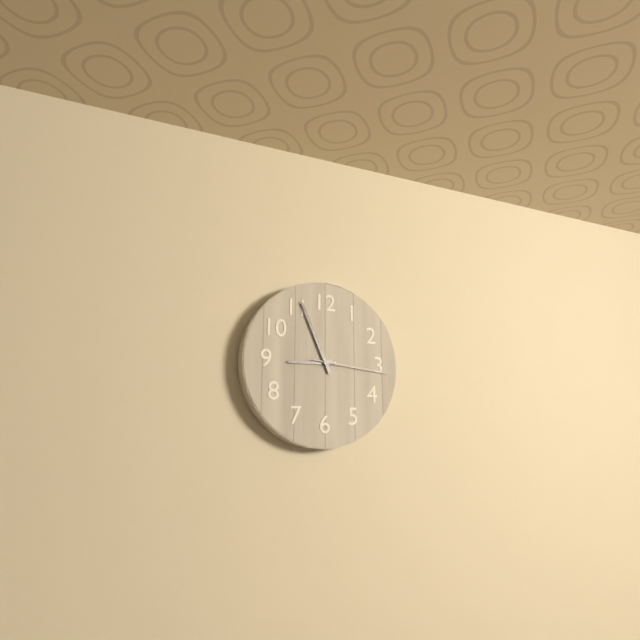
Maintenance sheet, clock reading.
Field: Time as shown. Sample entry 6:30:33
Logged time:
8:56:16
